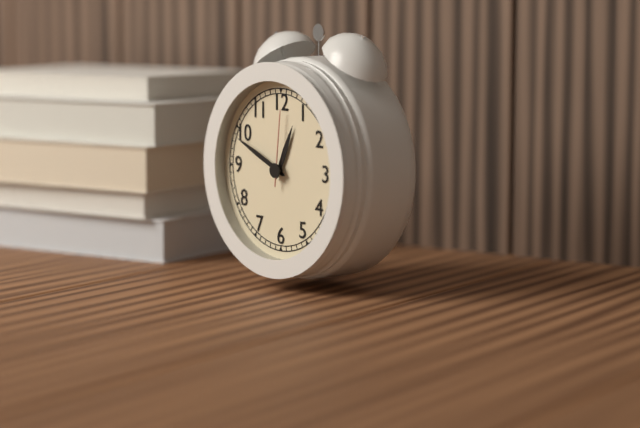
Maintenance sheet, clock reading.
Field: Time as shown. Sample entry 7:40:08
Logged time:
12:49:01
